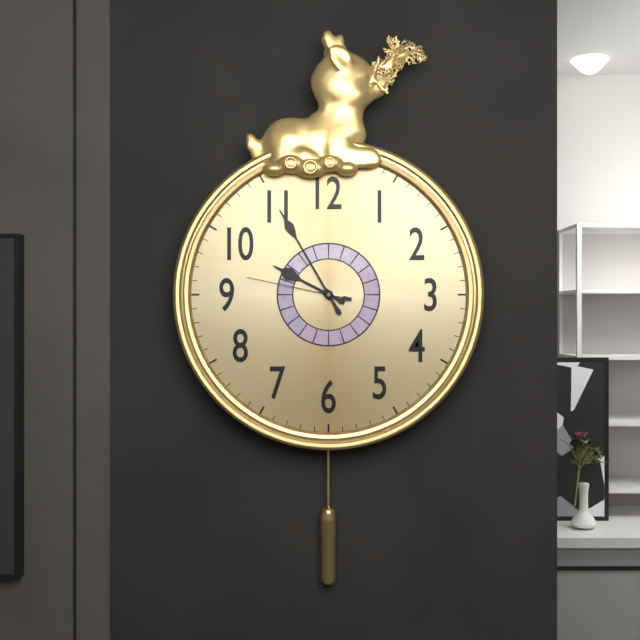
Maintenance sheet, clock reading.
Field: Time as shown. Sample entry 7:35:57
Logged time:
9:55:47
